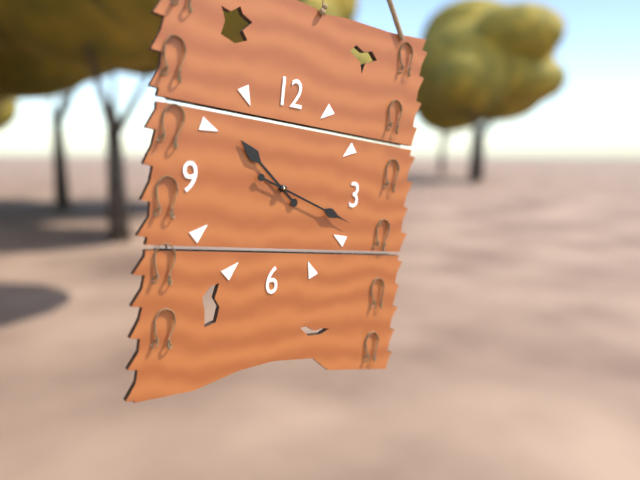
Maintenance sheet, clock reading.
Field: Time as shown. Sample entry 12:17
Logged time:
10:18
